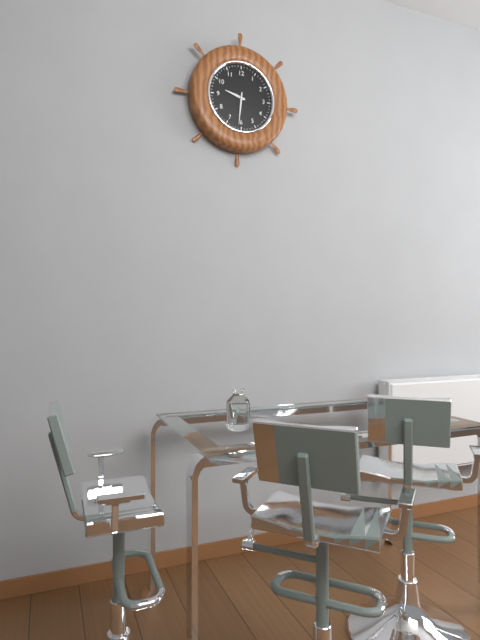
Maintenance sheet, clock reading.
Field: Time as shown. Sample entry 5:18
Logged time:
9:31
